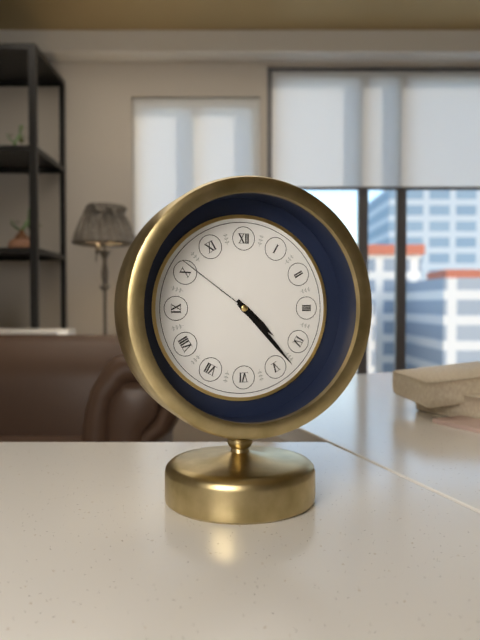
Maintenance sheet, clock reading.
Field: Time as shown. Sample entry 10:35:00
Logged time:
4:23:51
